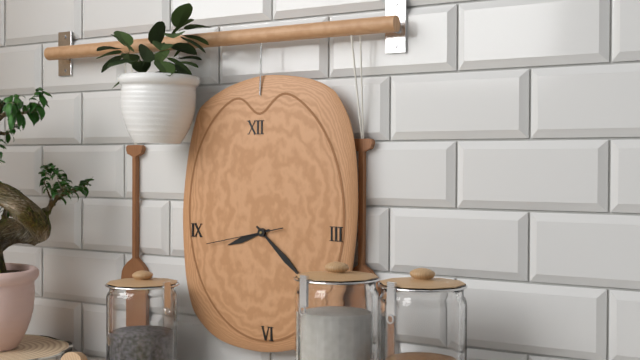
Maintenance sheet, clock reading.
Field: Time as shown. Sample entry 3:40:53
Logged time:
8:22:43
